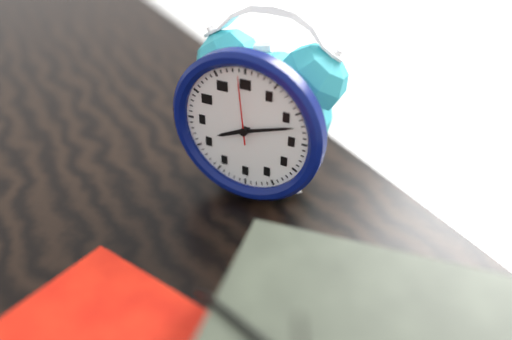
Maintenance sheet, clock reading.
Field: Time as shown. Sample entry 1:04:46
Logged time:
8:12:59
